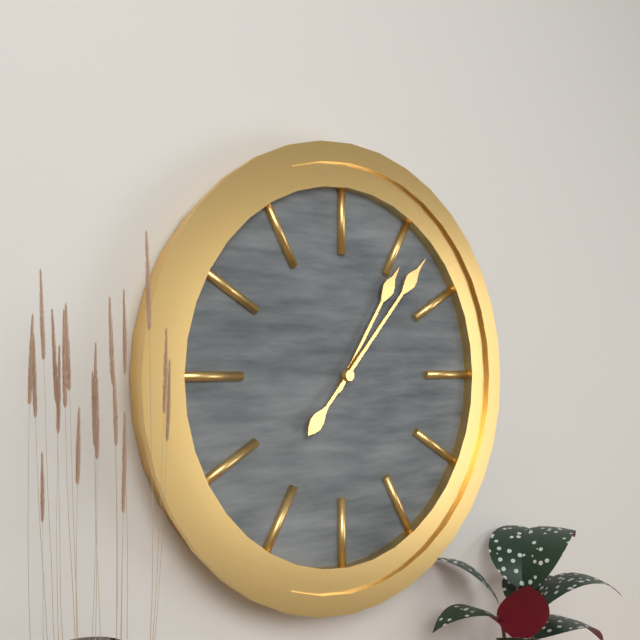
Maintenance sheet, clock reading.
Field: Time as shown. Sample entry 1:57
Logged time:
1:07
